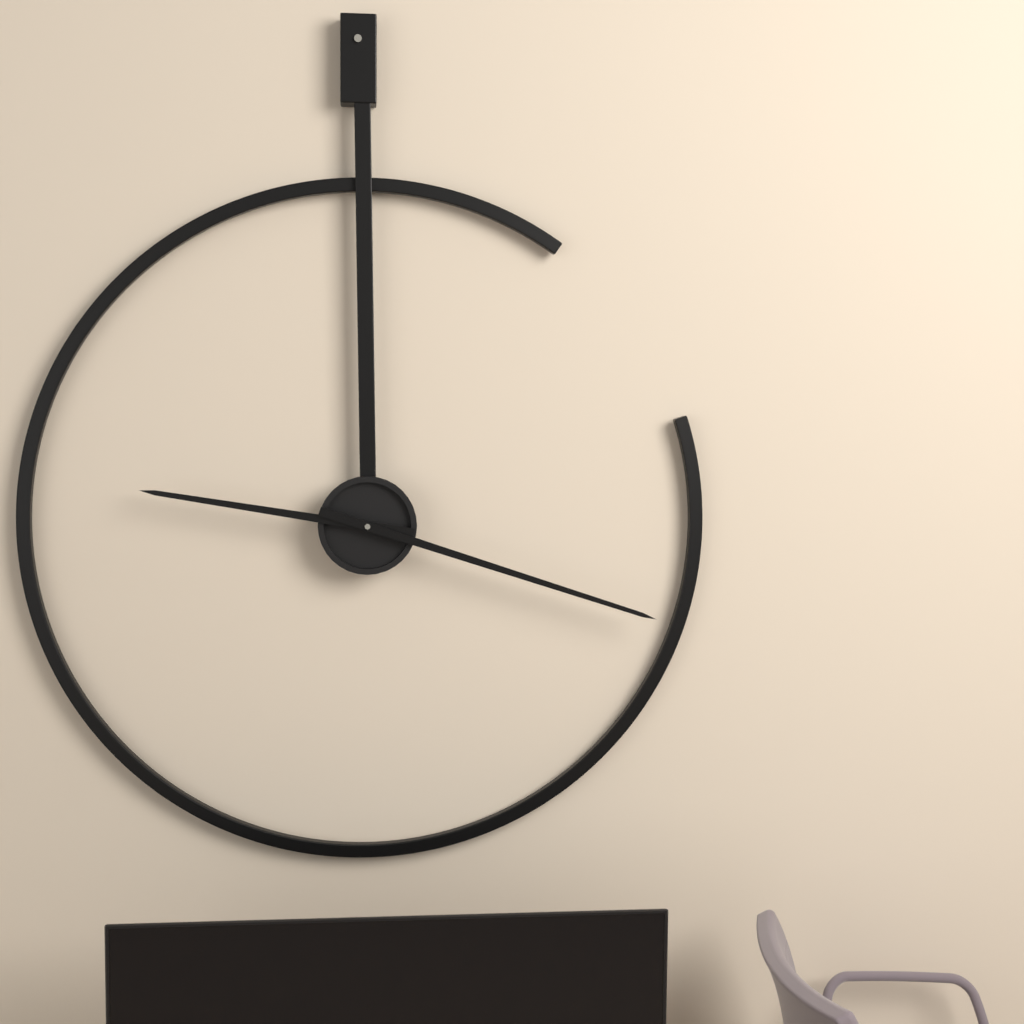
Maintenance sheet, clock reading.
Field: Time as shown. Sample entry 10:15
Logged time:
9:18
